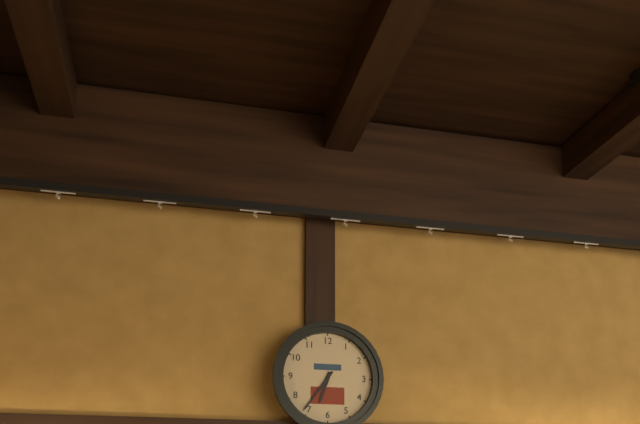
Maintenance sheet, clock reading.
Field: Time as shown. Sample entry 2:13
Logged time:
6:36
